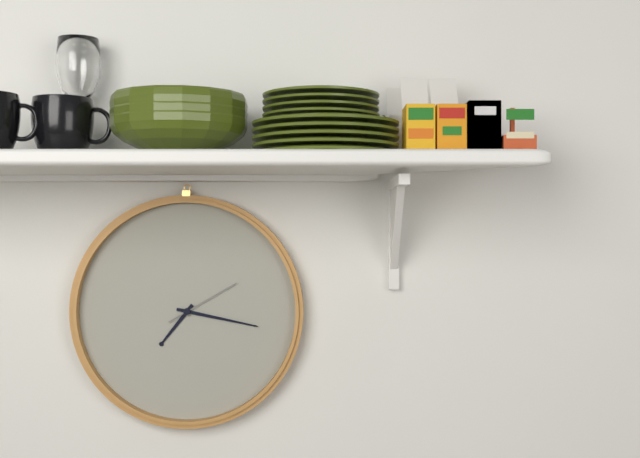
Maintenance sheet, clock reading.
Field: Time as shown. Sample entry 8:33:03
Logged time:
7:17:10
